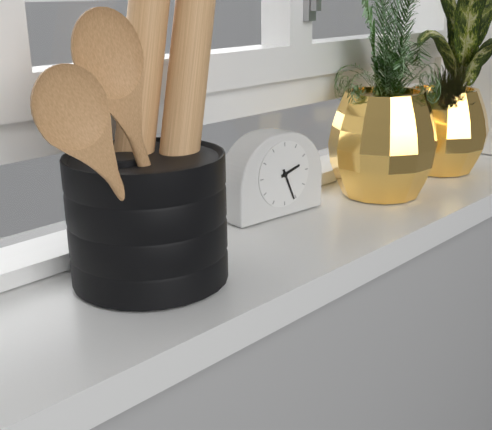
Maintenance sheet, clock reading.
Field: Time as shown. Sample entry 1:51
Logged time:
2:26
